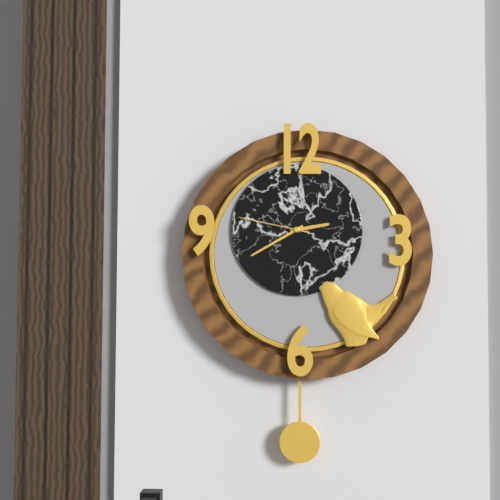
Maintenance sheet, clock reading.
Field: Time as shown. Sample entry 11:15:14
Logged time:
2:40:47
